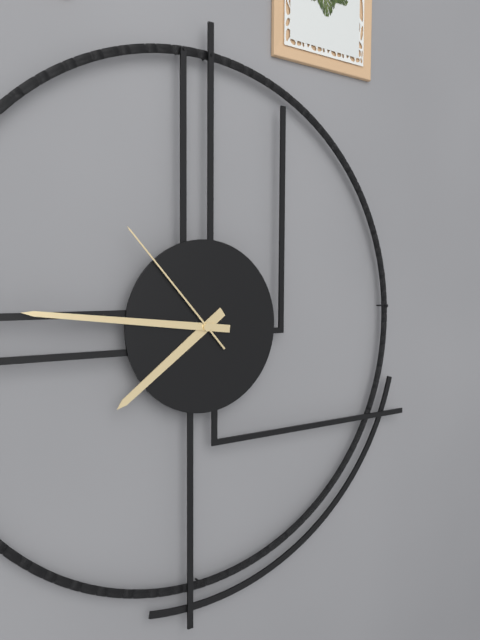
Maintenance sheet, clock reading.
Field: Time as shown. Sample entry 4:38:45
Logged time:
7:46:53
